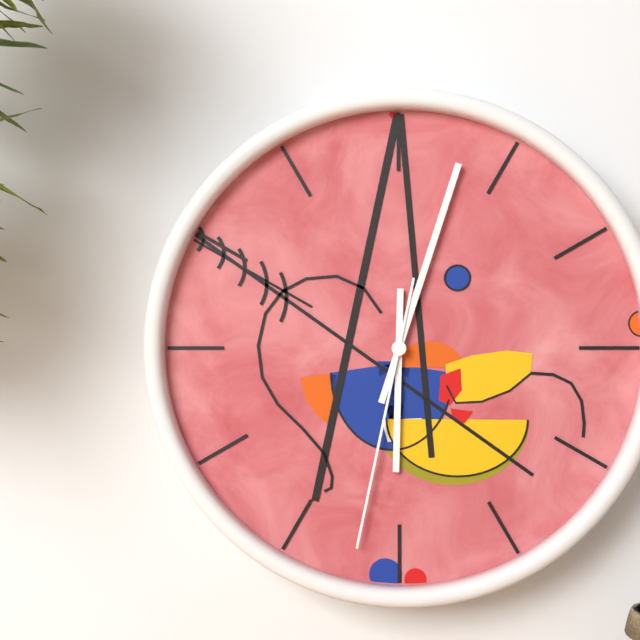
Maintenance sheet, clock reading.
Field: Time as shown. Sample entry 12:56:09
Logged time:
6:03:32
